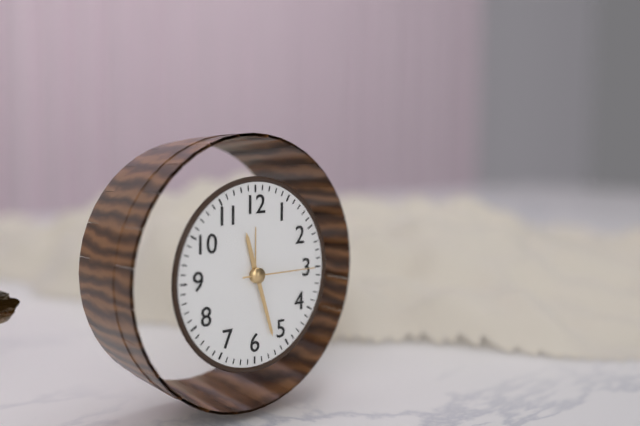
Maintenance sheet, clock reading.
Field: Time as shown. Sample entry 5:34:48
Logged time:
11:27:15
